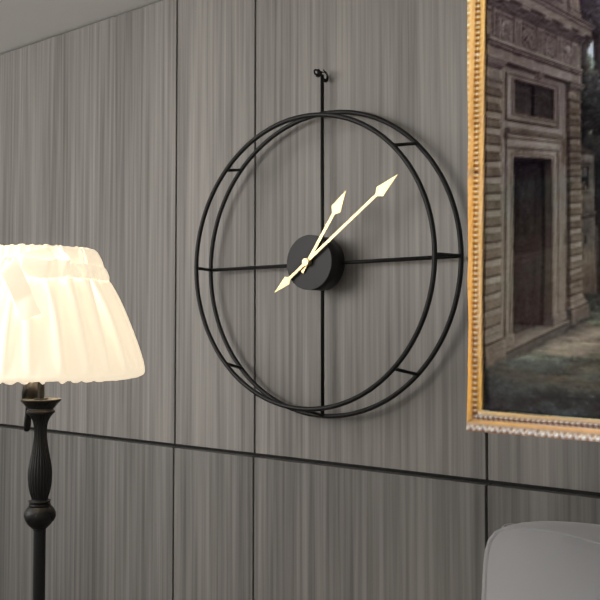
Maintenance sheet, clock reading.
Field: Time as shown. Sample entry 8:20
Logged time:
1:09
